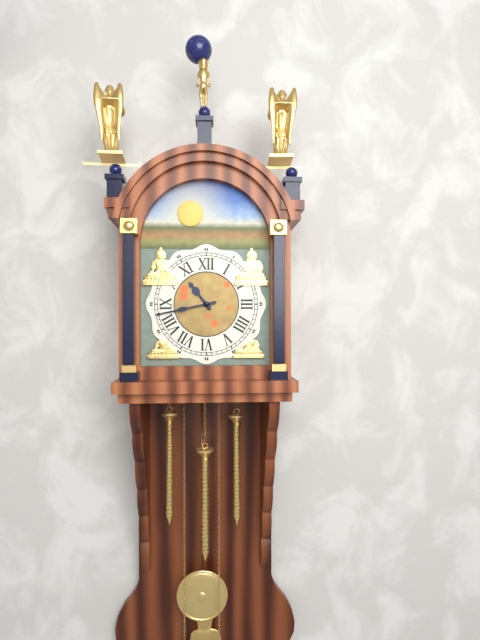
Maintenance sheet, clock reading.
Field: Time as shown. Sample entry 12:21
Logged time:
10:43
